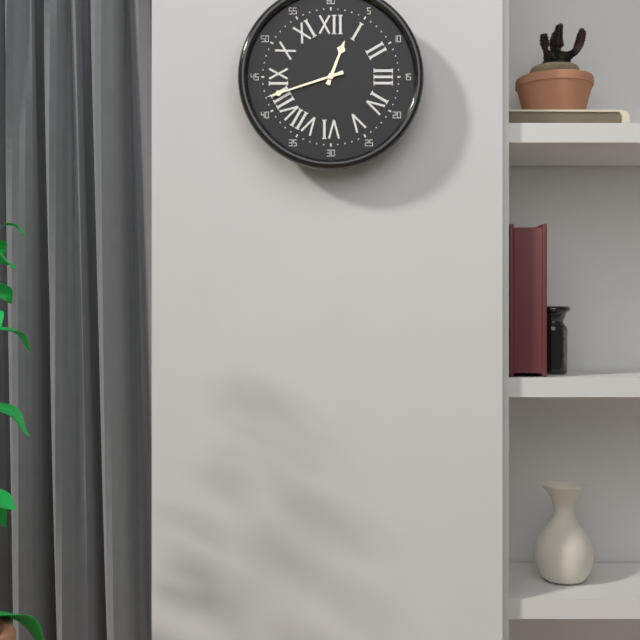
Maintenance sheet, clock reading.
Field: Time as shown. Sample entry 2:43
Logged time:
12:42
